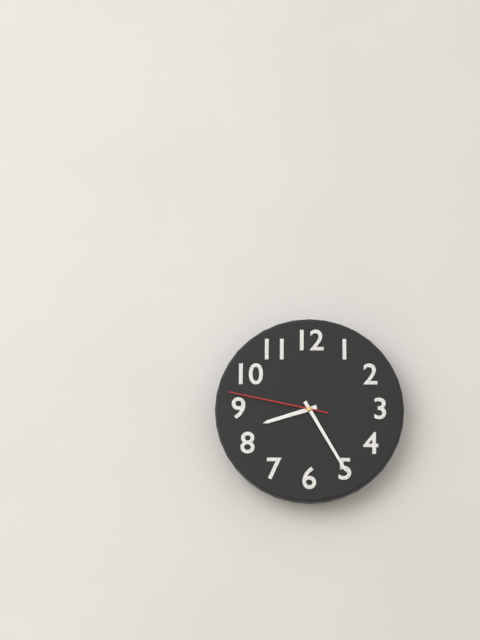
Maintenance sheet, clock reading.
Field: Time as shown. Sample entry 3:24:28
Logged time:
8:25:47
